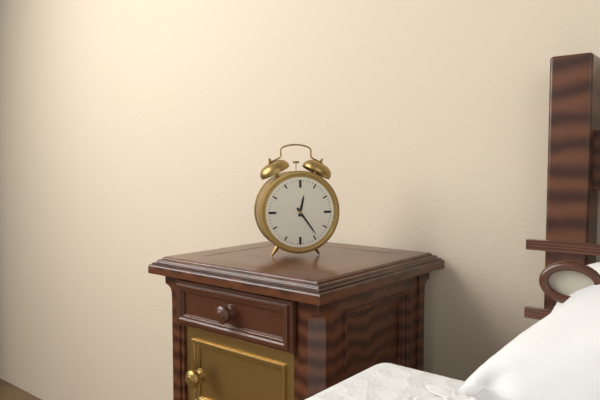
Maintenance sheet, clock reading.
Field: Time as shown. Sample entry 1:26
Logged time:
12:24
